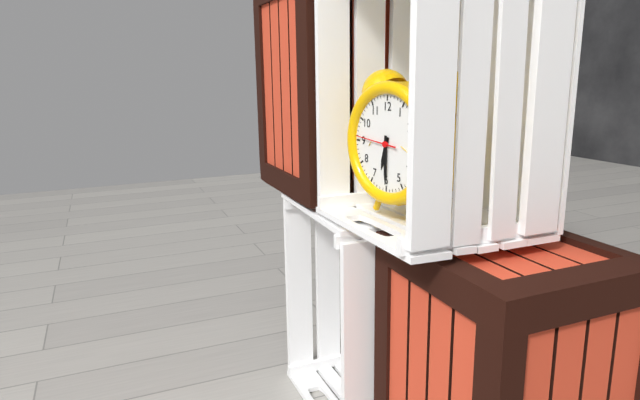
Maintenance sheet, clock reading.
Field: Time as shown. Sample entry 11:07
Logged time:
6:30
